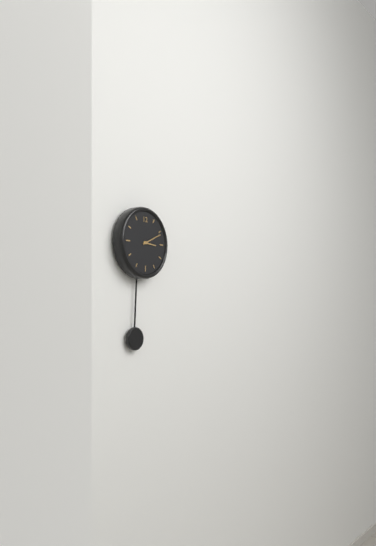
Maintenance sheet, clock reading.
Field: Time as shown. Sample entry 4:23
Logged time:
3:11
